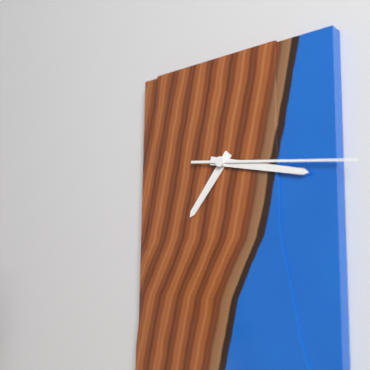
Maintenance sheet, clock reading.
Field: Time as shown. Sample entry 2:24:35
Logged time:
7:17:16
